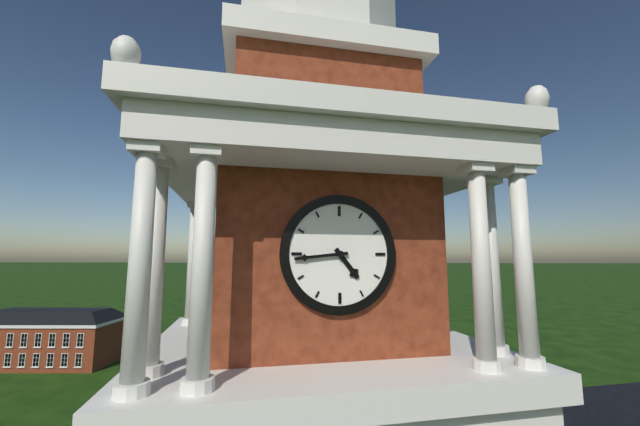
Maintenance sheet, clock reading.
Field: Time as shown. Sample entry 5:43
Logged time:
4:44
